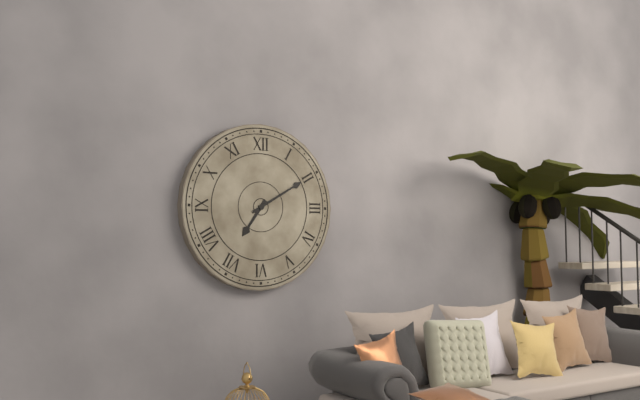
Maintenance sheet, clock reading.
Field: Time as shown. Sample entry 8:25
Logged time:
7:10
